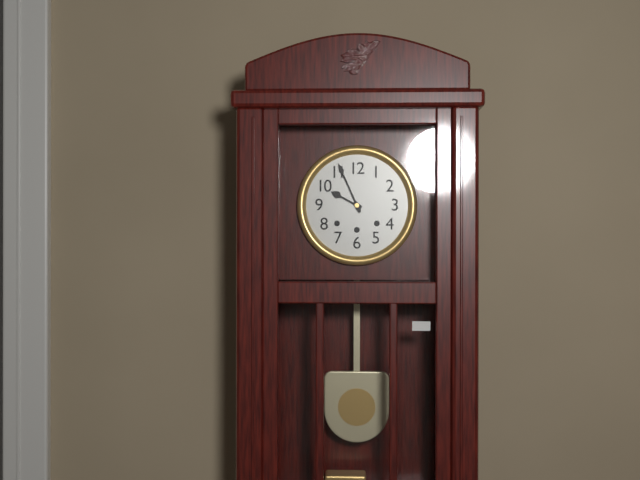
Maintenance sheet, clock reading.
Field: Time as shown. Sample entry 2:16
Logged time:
9:56
